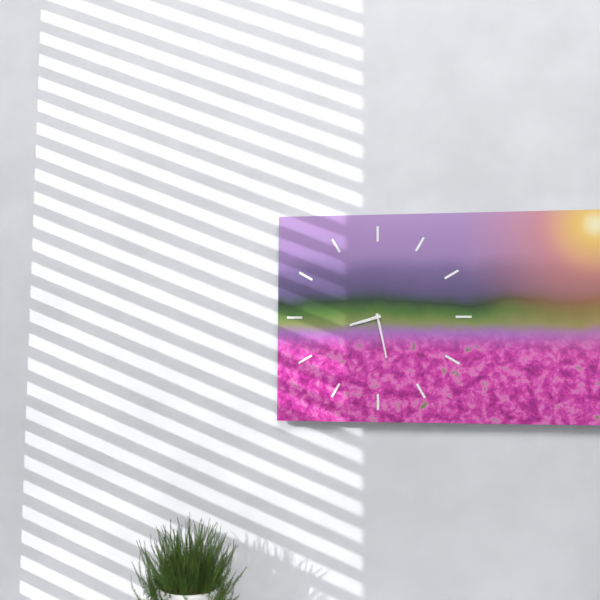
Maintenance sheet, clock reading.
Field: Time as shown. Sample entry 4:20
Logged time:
8:28
